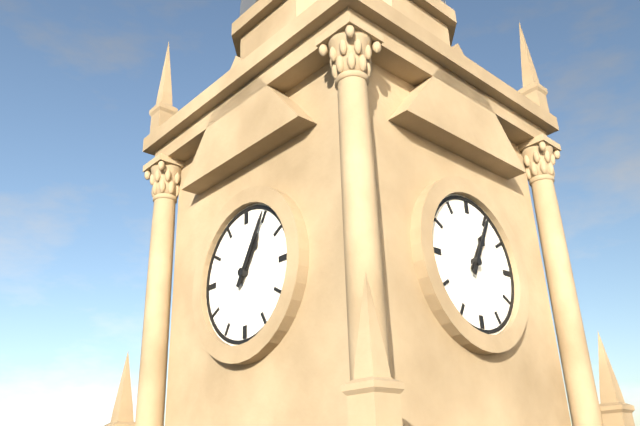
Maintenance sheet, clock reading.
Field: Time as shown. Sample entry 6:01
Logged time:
1:05
